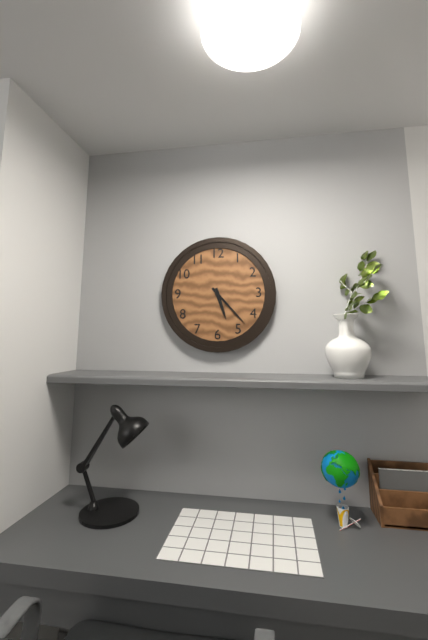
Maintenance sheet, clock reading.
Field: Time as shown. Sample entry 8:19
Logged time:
5:23
